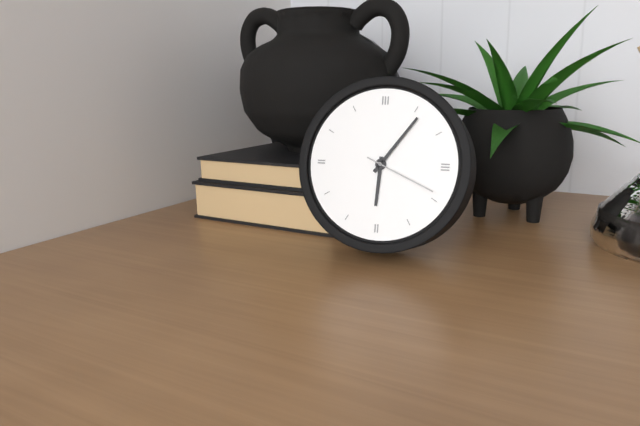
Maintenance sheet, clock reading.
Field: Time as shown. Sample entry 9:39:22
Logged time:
6:06:19
